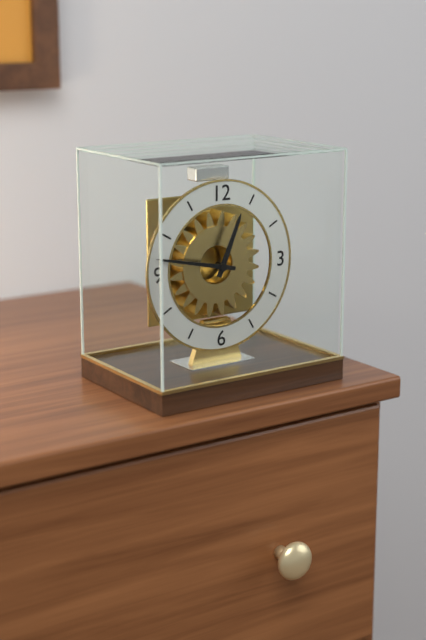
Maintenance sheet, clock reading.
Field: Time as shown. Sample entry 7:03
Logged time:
12:47
